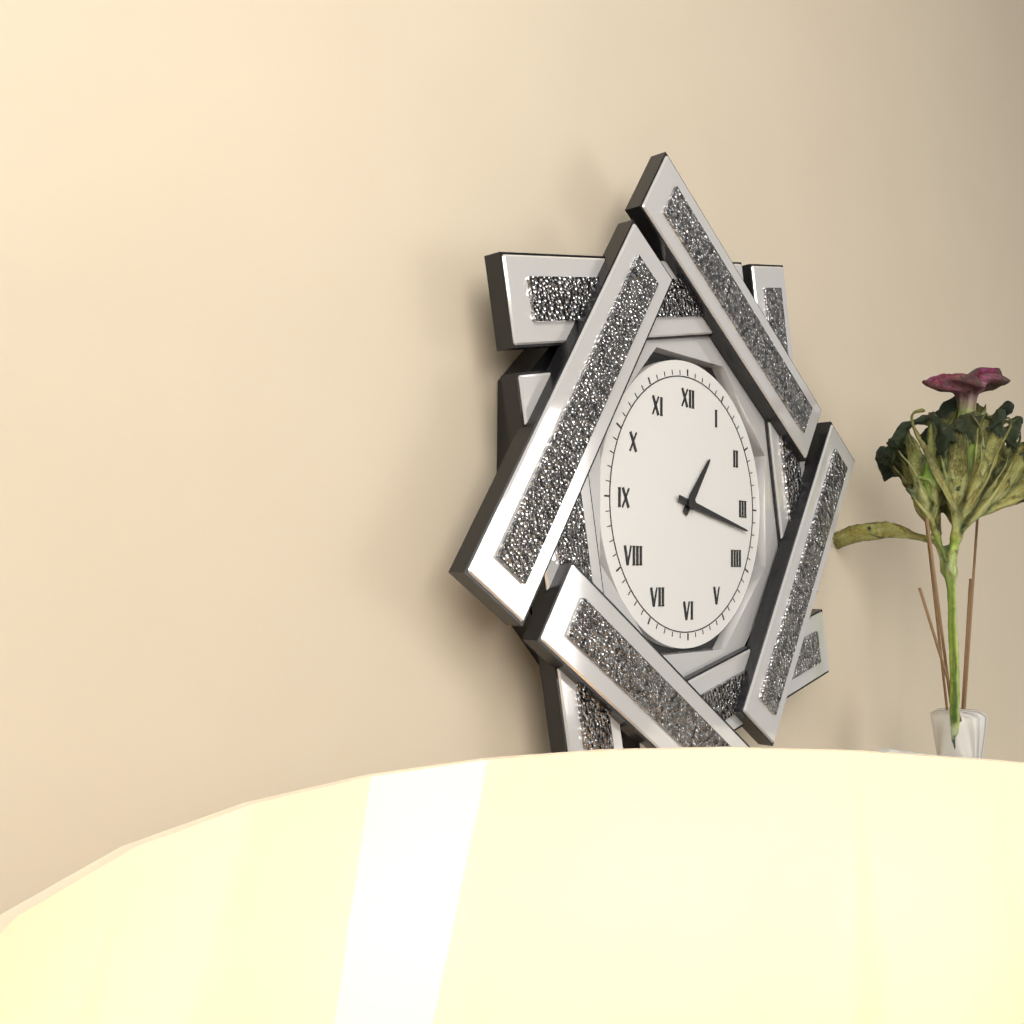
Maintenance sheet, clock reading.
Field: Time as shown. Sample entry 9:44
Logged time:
1:17
